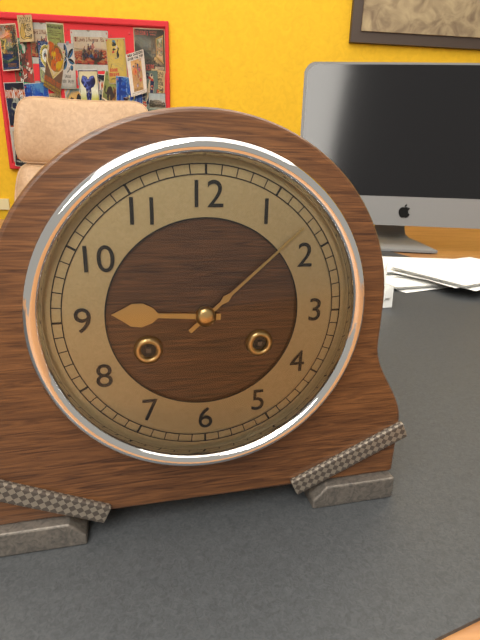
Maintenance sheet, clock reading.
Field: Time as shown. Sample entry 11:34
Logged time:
9:08
